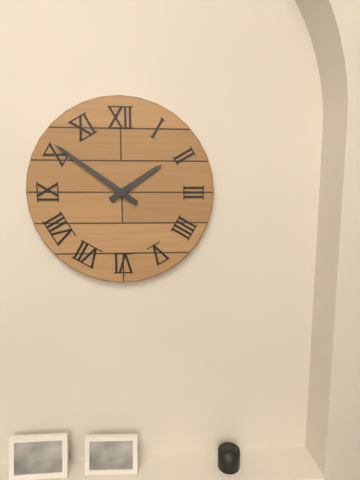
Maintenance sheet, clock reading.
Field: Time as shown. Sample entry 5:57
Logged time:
1:51
